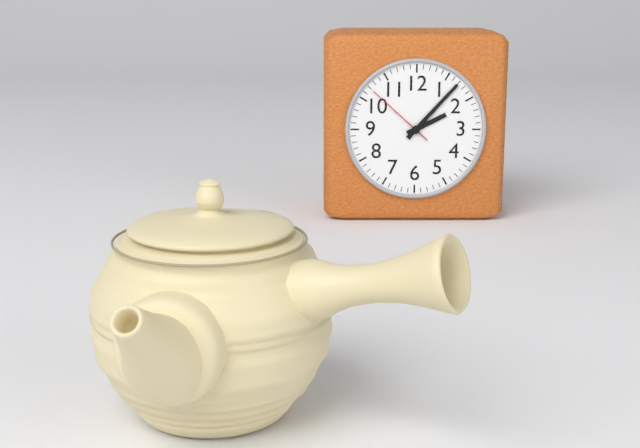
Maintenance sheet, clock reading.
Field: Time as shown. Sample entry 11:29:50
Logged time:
2:07:52
